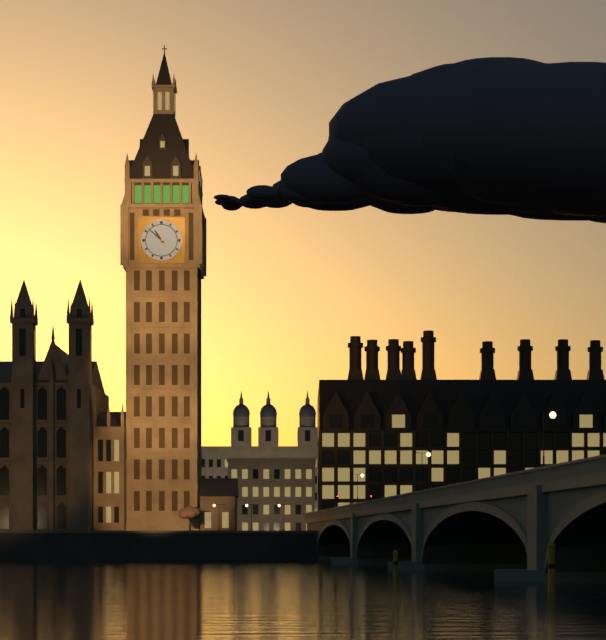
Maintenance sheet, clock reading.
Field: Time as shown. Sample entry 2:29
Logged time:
10:52
